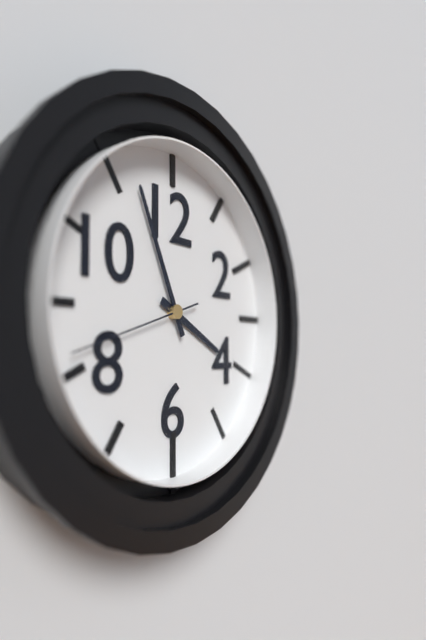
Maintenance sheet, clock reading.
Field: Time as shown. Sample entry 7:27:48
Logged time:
3:56:42
